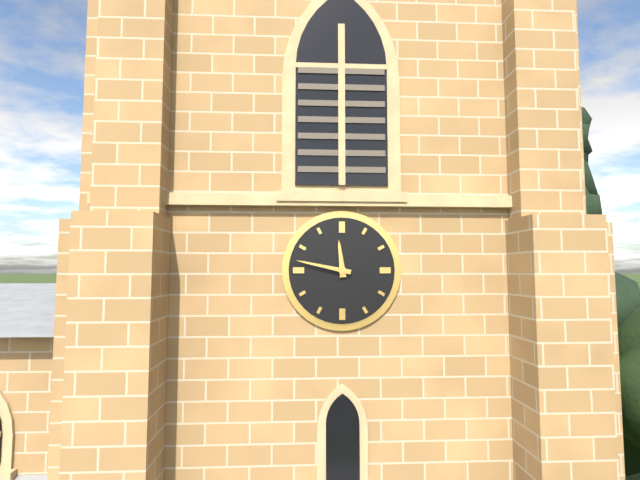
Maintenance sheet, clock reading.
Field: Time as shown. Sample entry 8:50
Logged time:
11:47
